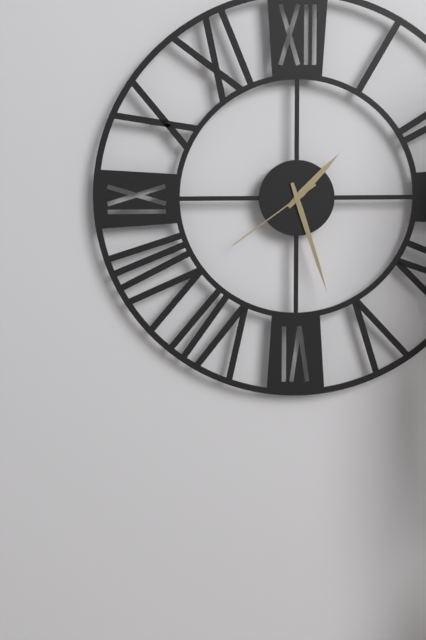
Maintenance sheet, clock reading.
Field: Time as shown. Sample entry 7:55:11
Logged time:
1:27:39
